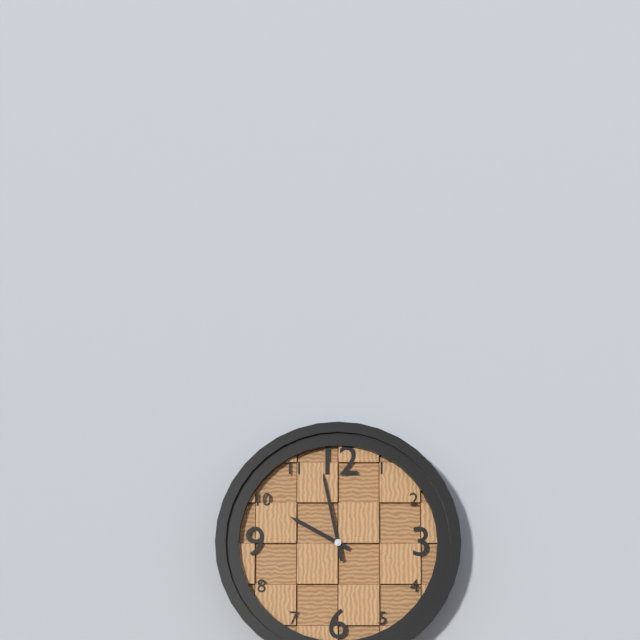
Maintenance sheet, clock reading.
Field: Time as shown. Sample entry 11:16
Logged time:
9:58
